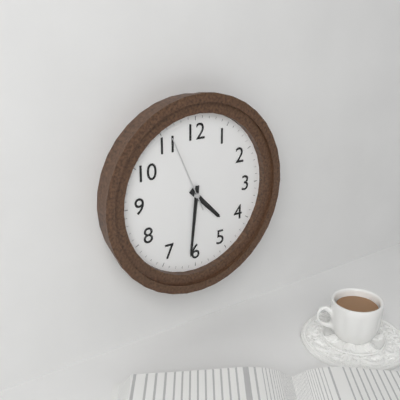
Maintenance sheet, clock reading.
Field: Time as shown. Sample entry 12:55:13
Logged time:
4:31:56
